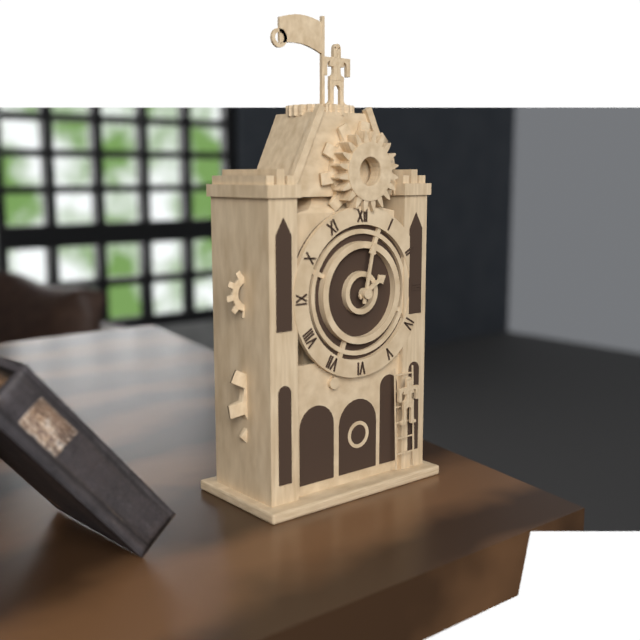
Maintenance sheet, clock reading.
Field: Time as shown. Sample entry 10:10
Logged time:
2:02
